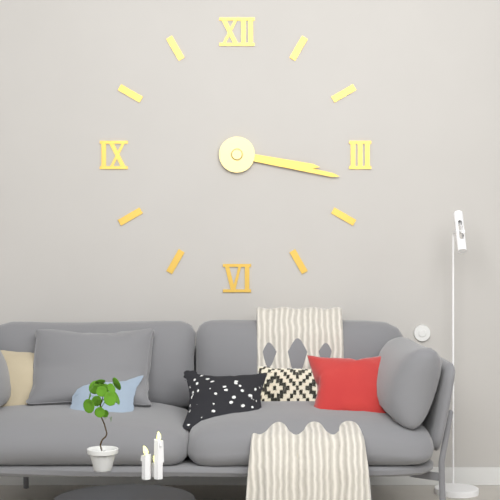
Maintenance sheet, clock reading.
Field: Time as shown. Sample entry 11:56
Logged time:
3:17
